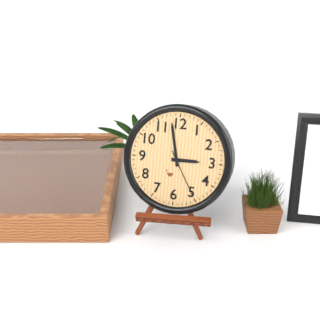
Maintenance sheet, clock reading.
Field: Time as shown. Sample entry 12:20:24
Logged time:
2:58:25
